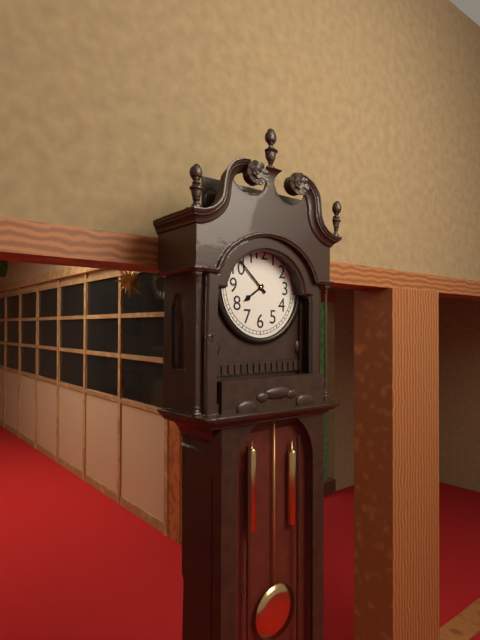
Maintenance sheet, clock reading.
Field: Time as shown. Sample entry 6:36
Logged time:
7:52
